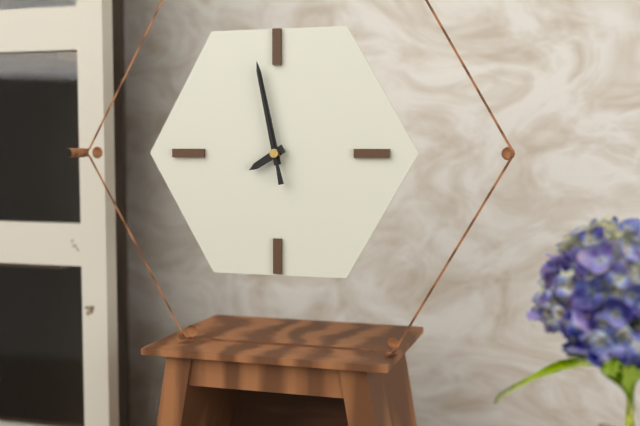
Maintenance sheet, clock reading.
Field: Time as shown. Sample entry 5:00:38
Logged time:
7:58:58
